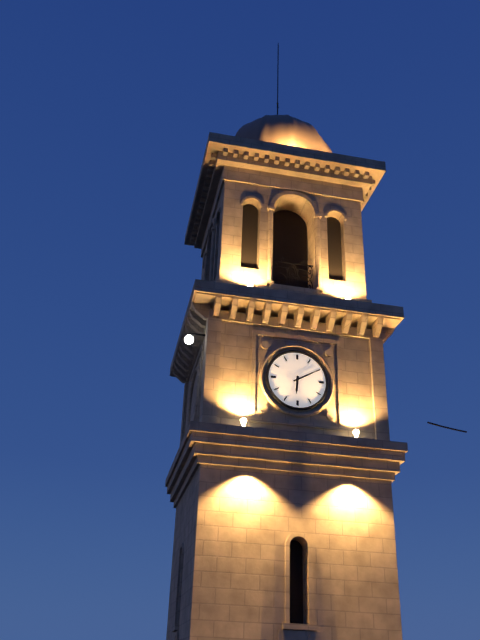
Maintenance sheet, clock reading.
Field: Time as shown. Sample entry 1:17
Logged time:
6:10
